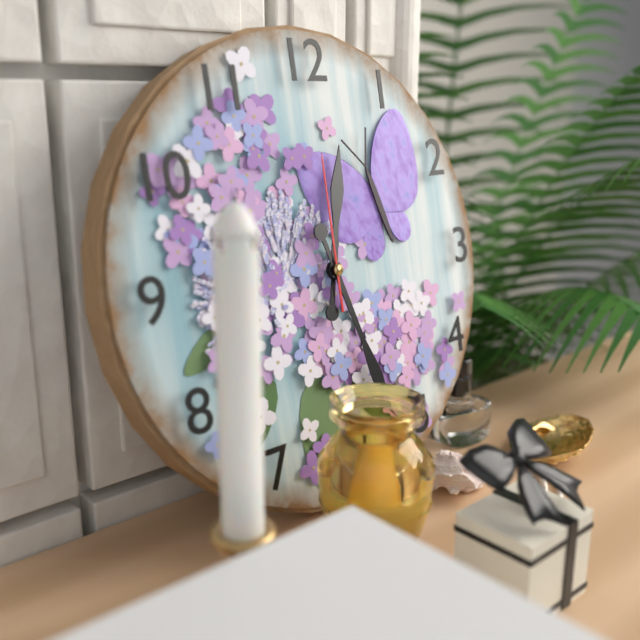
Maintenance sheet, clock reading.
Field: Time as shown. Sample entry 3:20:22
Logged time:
12:27:00
